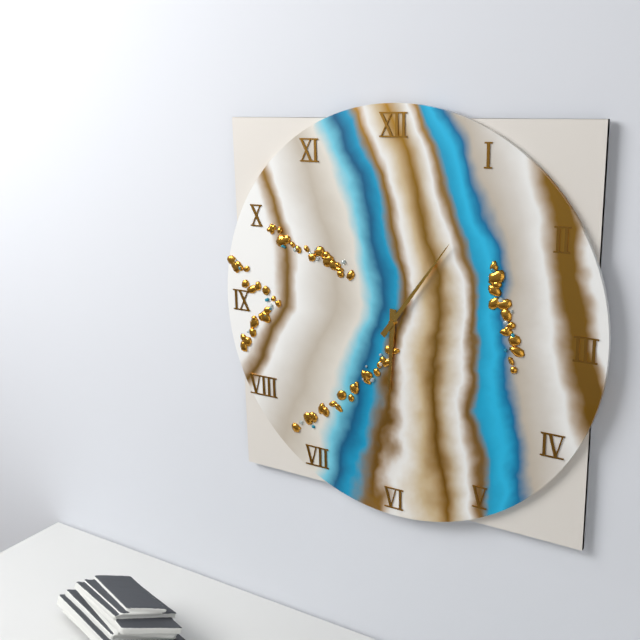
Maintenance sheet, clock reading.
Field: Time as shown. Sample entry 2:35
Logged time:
6:06
